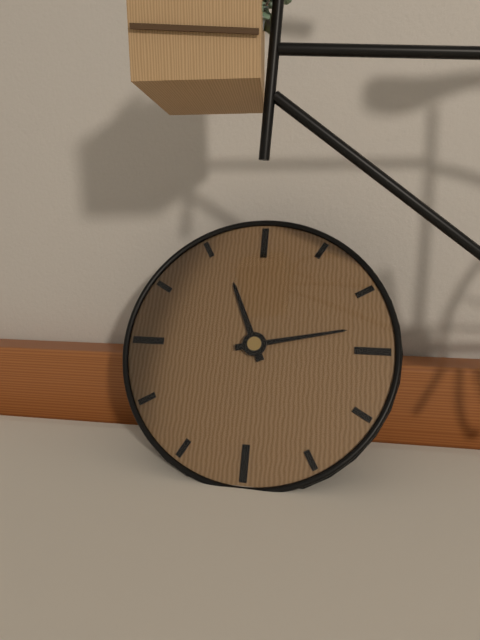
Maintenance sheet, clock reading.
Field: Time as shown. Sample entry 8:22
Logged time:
11:13
